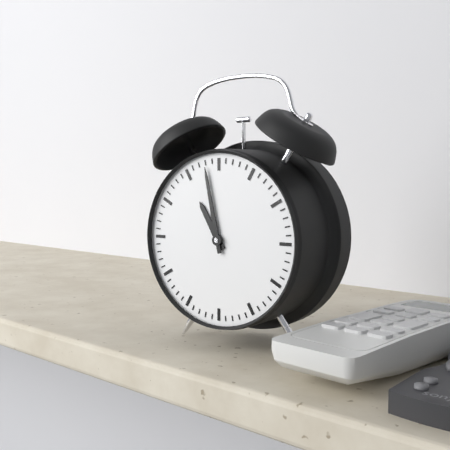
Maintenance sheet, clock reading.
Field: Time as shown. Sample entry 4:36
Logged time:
10:58
